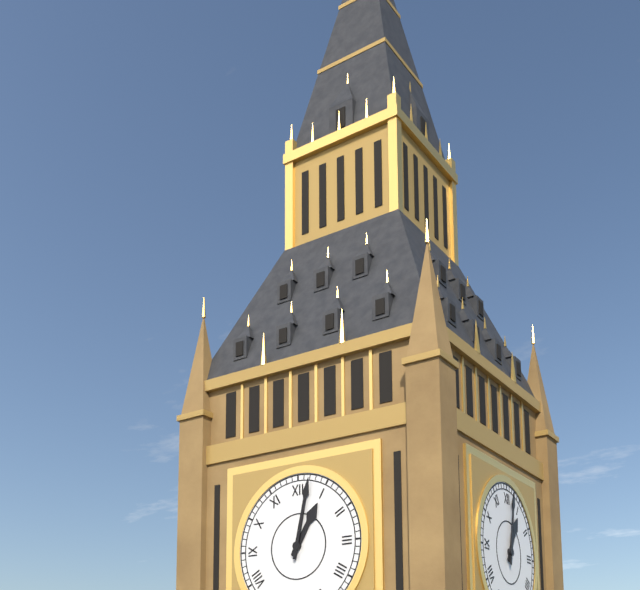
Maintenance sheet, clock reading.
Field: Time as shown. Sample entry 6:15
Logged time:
1:02
